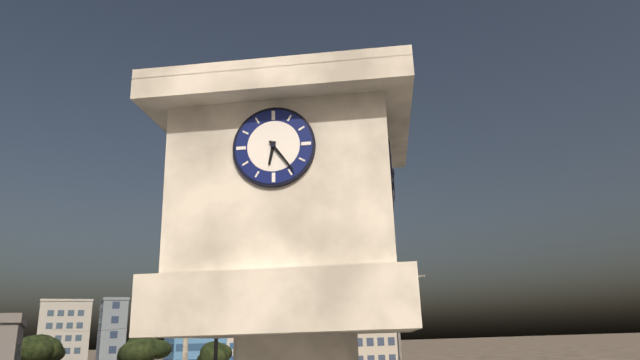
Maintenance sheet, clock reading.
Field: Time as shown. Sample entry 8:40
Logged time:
6:24
